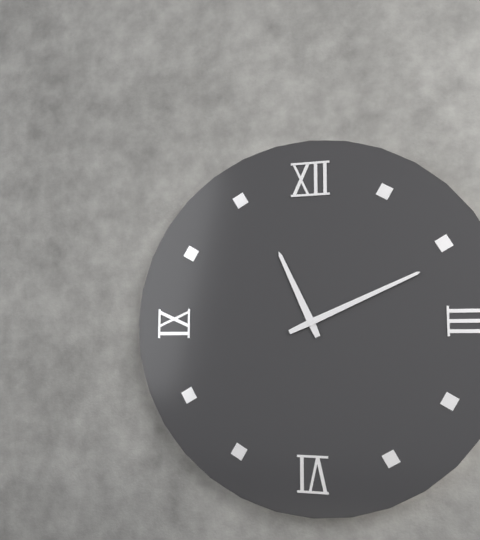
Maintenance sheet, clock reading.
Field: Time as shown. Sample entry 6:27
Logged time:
11:11
